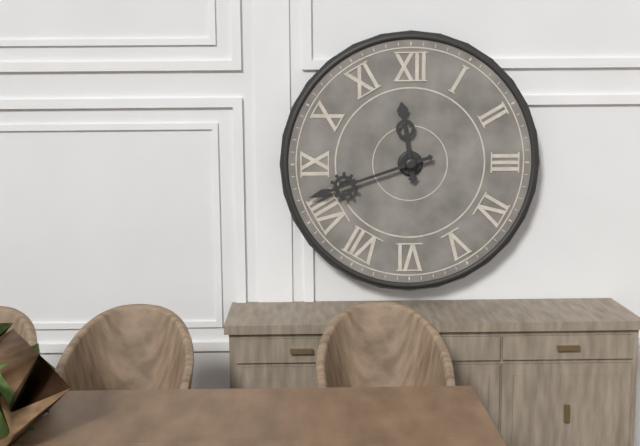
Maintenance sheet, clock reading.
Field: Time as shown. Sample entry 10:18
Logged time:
11:42
